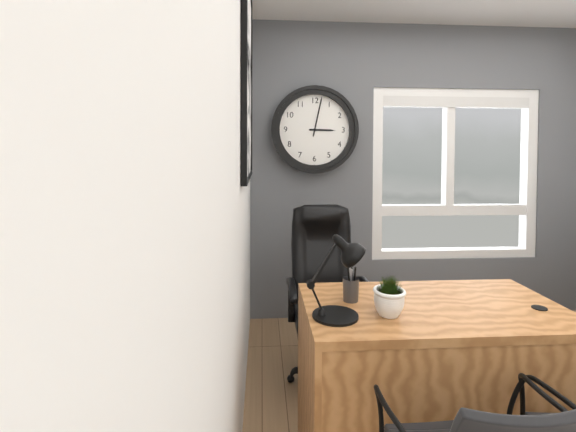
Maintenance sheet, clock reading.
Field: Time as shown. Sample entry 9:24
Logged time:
3:02
